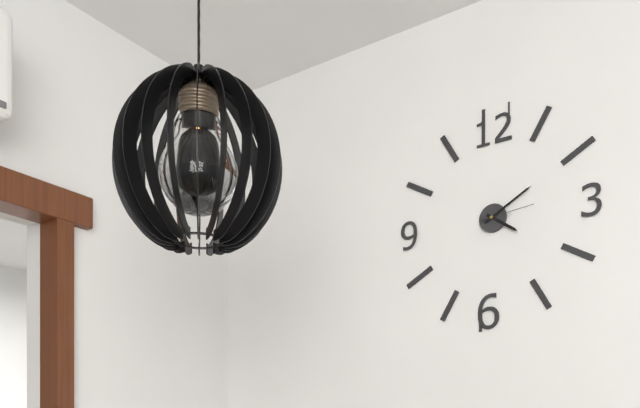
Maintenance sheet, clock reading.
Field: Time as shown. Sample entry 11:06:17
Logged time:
4:10:14
